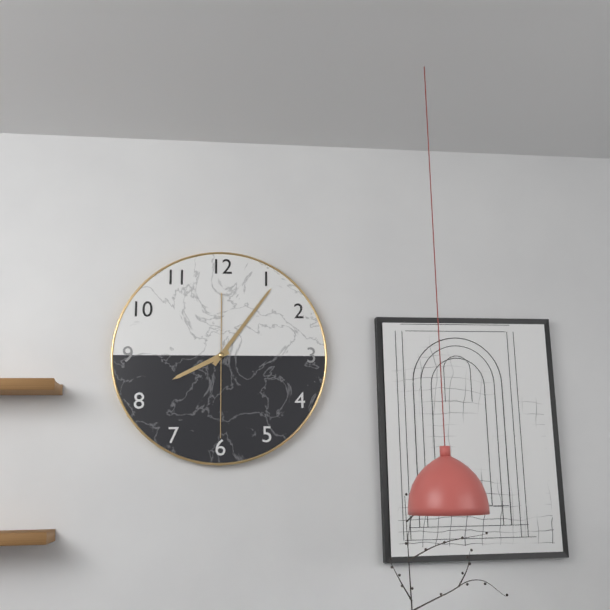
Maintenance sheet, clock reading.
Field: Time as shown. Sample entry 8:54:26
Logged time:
8:06:30
